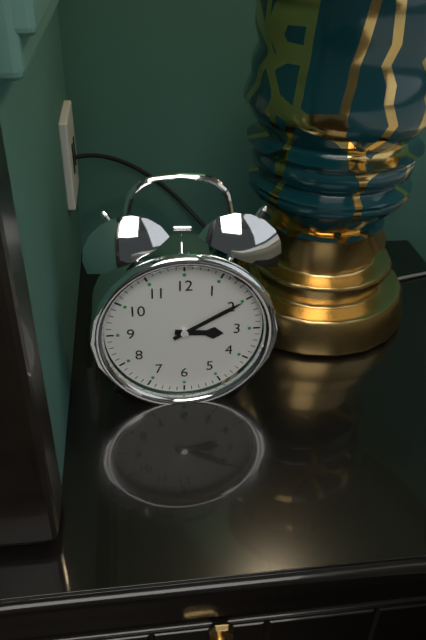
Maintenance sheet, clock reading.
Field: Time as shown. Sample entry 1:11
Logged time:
3:10
